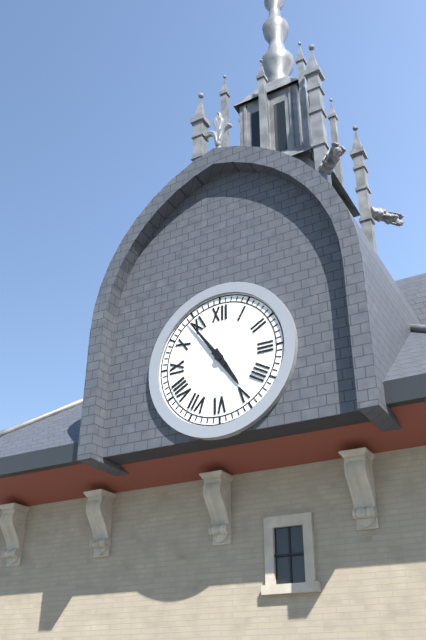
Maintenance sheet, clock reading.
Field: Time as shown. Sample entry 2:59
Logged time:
4:54
